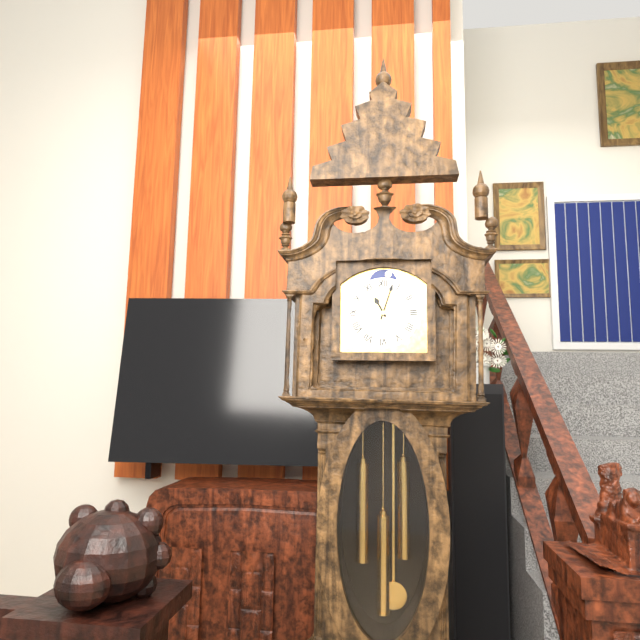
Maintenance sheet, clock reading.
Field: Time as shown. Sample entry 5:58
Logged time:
11:03
